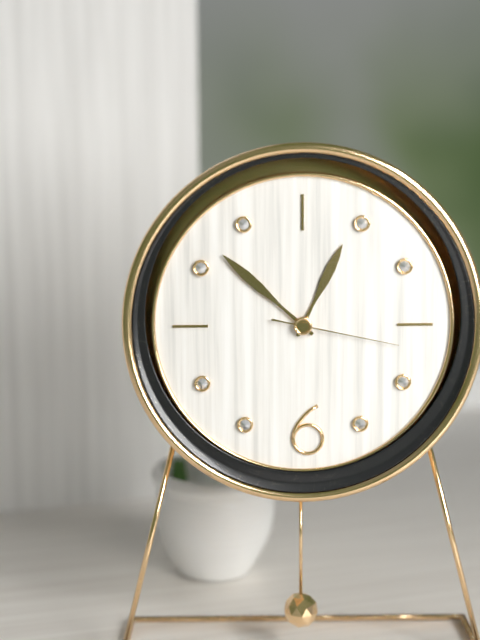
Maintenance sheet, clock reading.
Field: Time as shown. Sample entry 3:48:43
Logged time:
12:52:17
